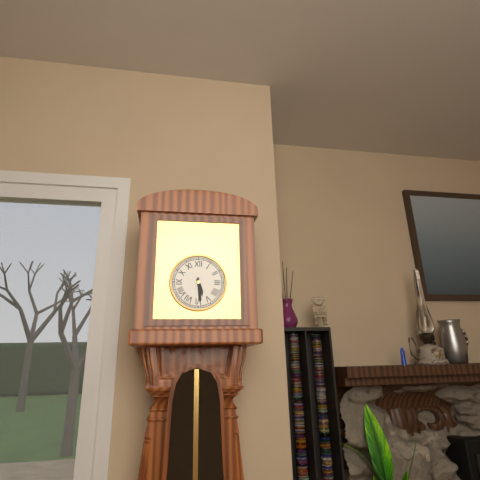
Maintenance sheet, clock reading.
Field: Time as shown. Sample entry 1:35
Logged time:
5:29
